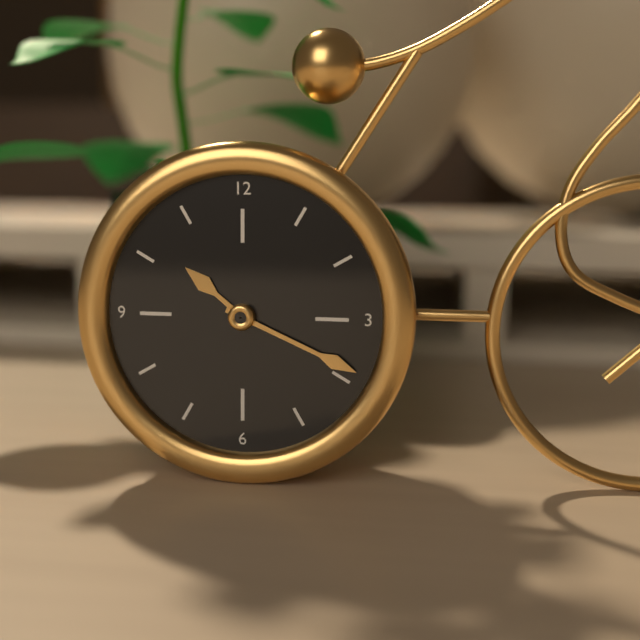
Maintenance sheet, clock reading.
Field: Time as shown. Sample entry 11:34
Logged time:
10:19
